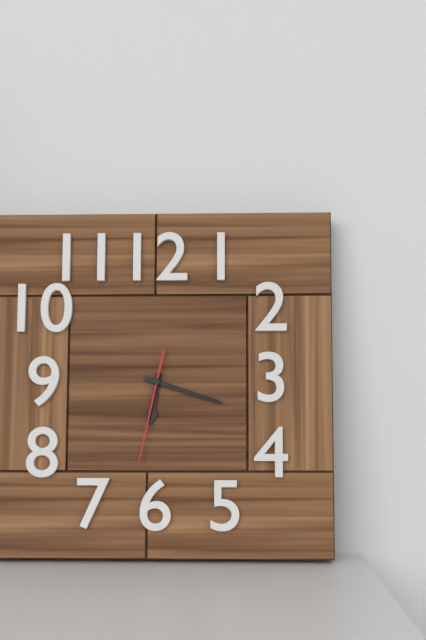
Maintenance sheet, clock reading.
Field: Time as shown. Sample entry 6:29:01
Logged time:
6:18:32
